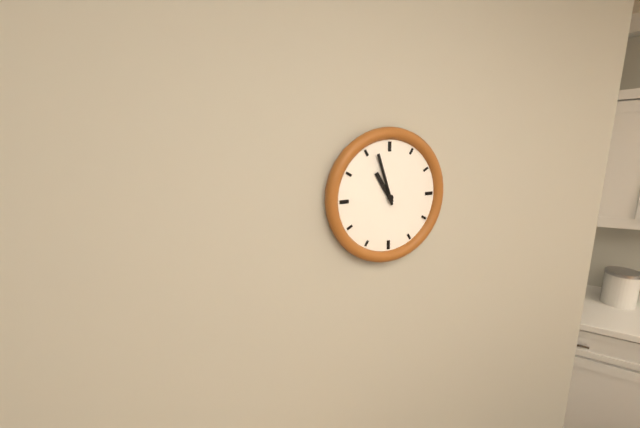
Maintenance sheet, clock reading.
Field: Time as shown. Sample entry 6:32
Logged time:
10:57
